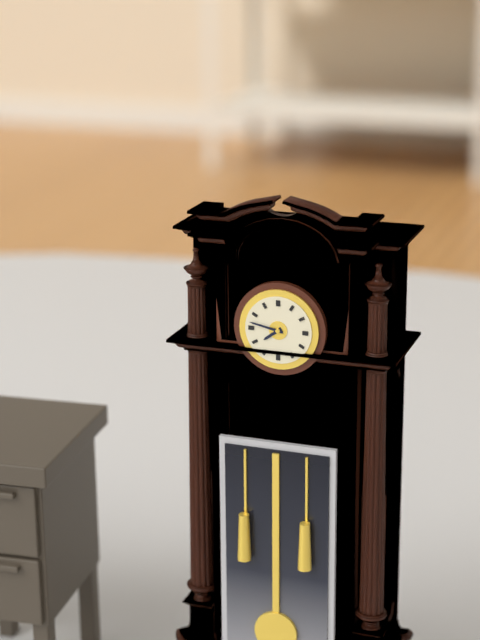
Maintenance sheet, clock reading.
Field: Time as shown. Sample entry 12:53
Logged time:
7:47
